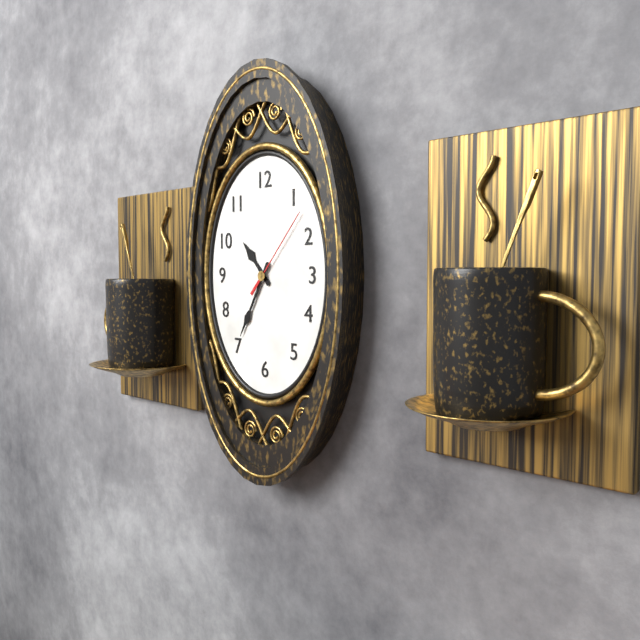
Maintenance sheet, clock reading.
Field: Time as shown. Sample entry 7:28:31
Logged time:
10:35:07
